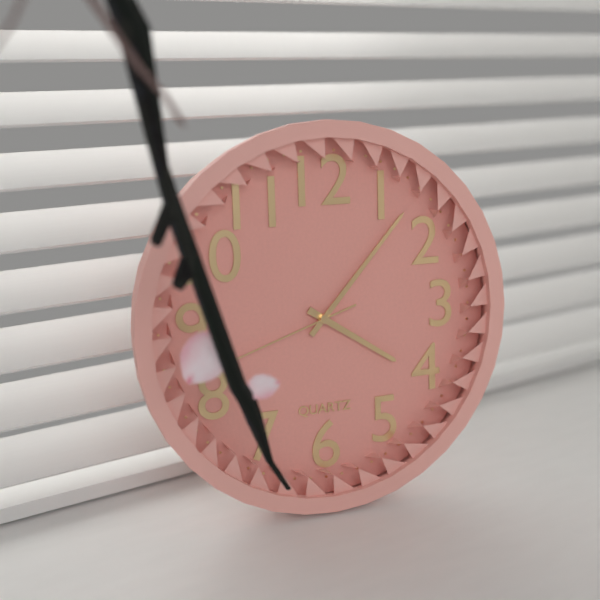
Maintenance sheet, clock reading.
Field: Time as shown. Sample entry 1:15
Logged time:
4:07
